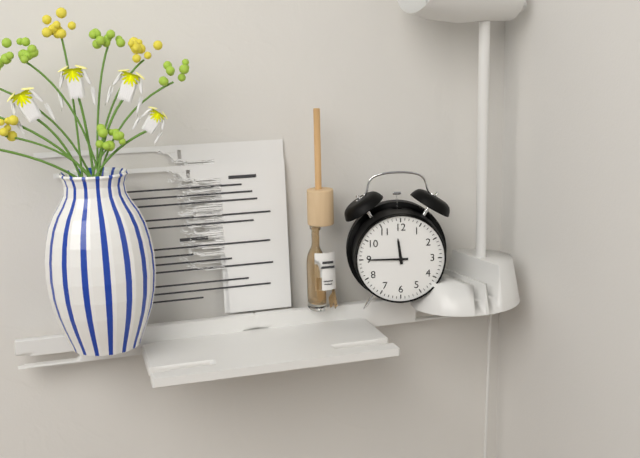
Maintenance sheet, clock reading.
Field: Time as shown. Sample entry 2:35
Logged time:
11:45
